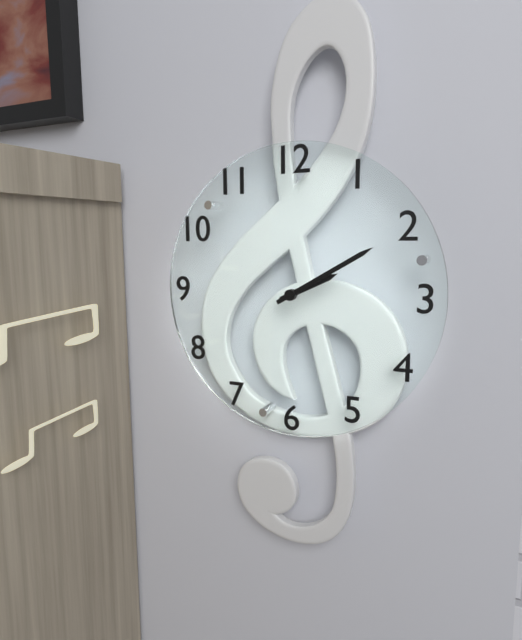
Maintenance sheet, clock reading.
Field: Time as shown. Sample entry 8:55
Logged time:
2:10
